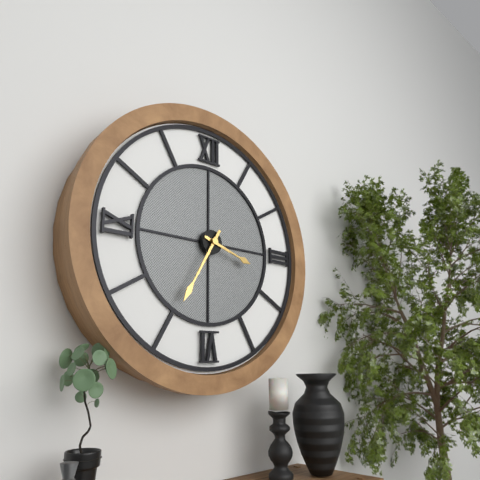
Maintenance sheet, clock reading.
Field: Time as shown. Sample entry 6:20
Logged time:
3:35
